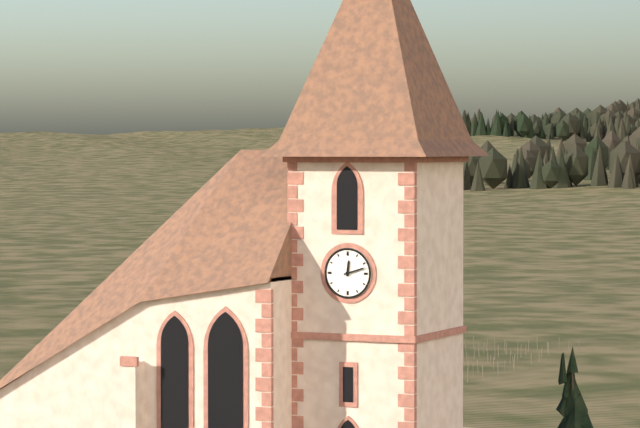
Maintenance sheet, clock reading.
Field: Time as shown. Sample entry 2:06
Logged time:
12:12
